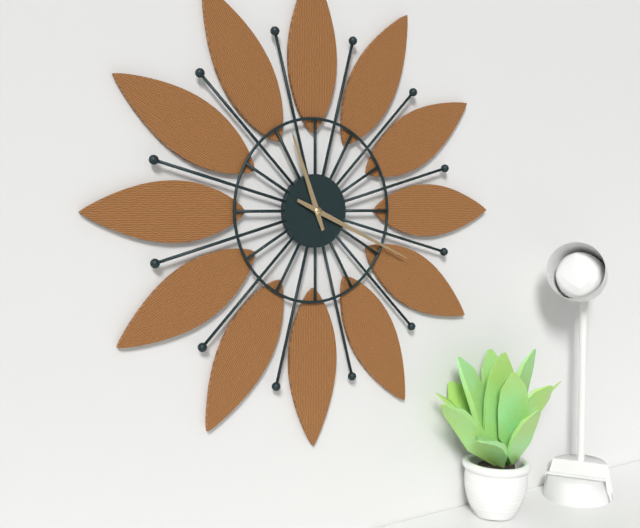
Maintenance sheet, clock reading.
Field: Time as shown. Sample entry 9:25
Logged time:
11:19
